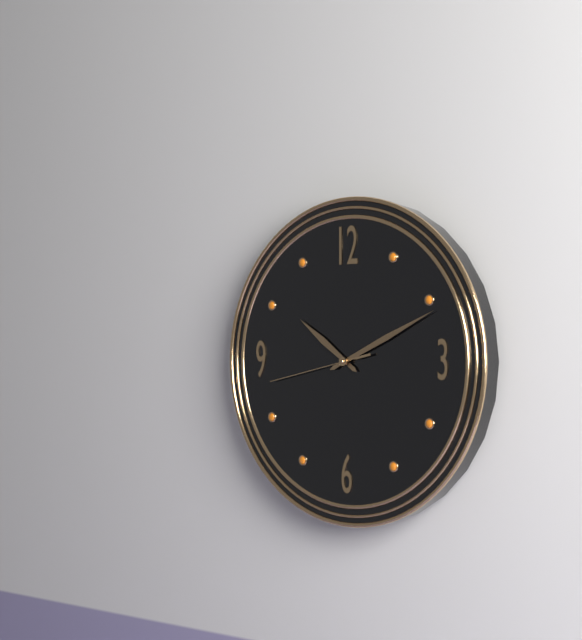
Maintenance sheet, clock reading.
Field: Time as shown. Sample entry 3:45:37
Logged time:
10:11:43
